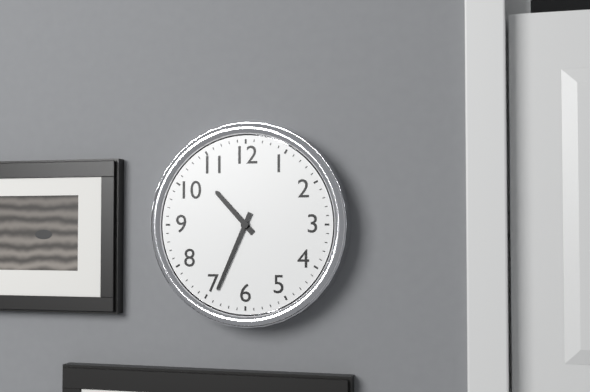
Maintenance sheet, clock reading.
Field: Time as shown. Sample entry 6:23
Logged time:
10:34
